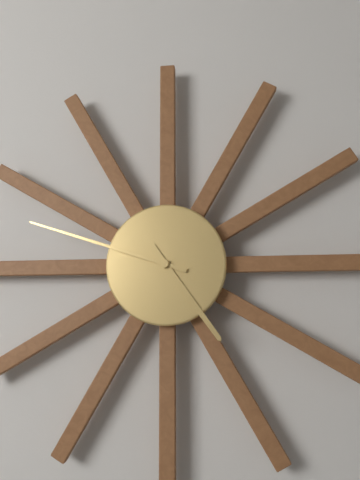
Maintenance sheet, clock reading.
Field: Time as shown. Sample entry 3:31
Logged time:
4:48
